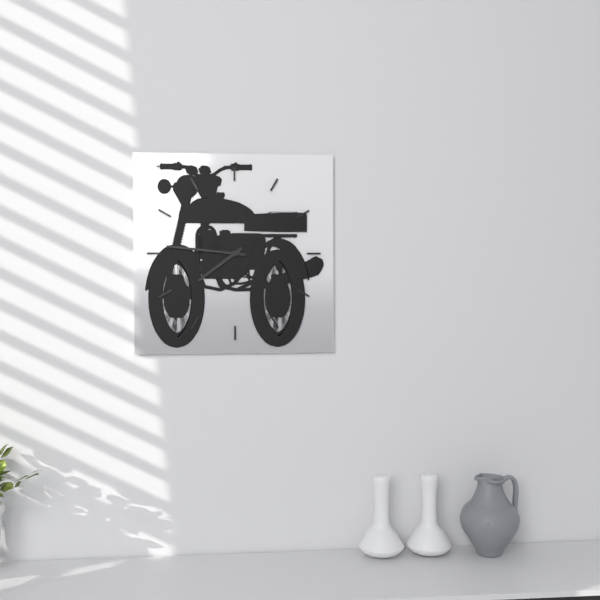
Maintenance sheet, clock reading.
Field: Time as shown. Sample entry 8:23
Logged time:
7:46
